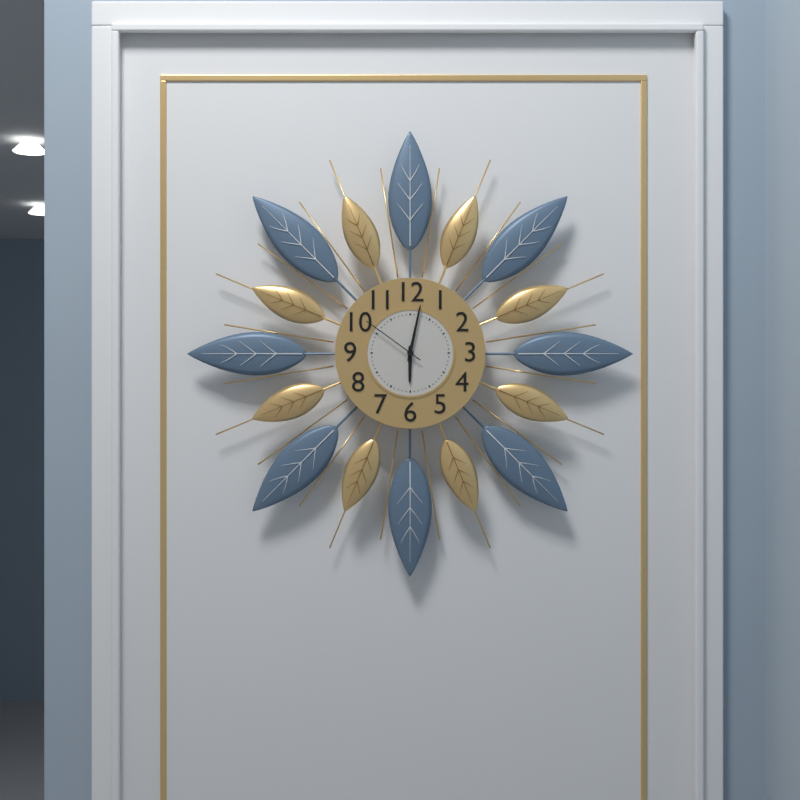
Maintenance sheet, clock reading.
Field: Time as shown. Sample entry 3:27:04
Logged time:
6:02:51
